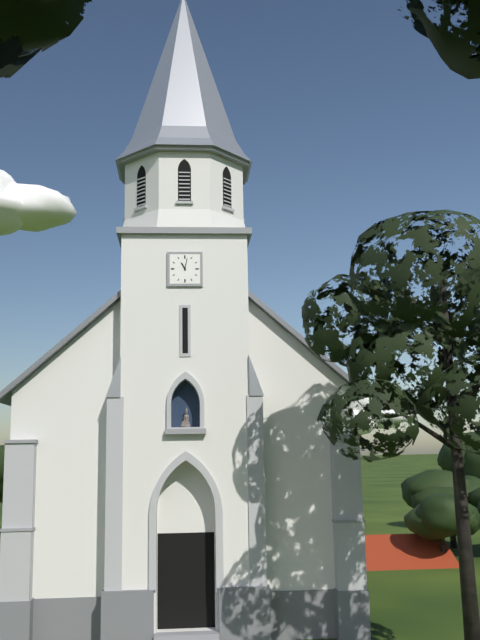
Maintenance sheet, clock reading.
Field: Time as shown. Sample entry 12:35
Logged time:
11:02
